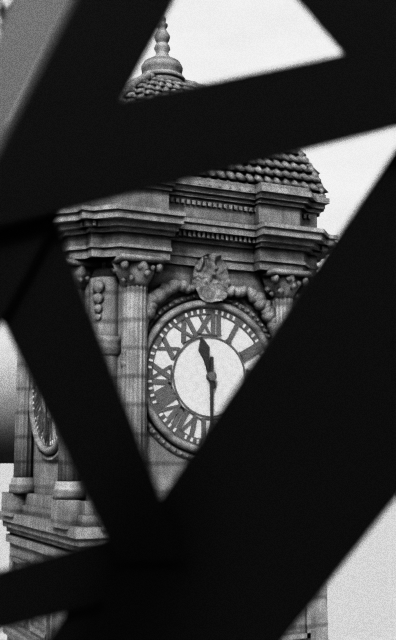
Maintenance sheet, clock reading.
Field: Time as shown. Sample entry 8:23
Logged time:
11:30
